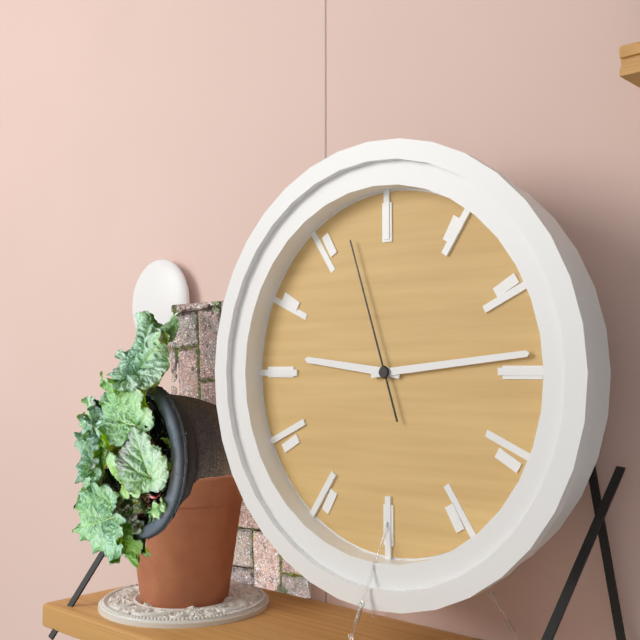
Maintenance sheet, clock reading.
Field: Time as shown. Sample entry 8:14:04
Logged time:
9:14:57
